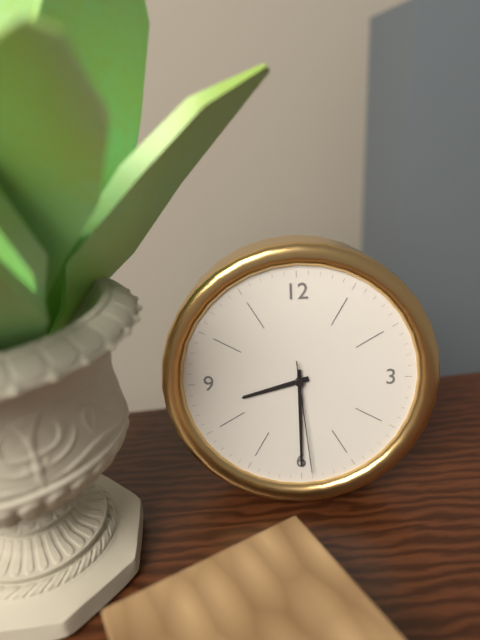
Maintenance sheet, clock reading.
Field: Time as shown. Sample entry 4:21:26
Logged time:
8:30:29
